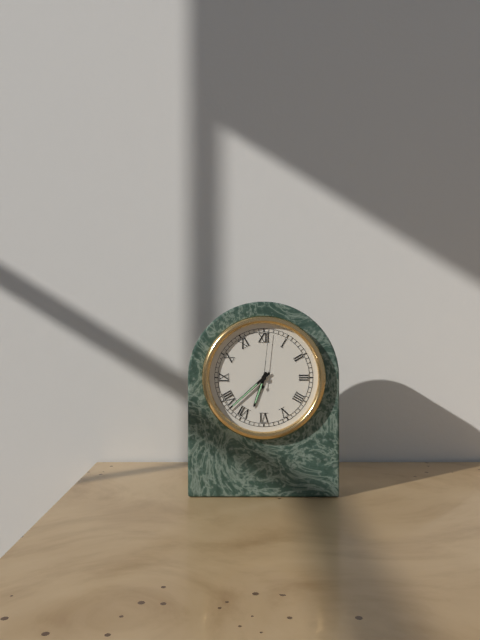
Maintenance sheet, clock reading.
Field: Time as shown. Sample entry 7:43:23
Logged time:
6:38:01
